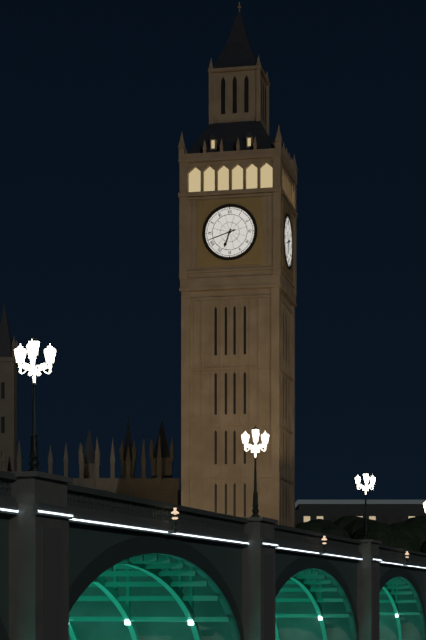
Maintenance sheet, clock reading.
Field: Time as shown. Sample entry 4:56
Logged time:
6:42
